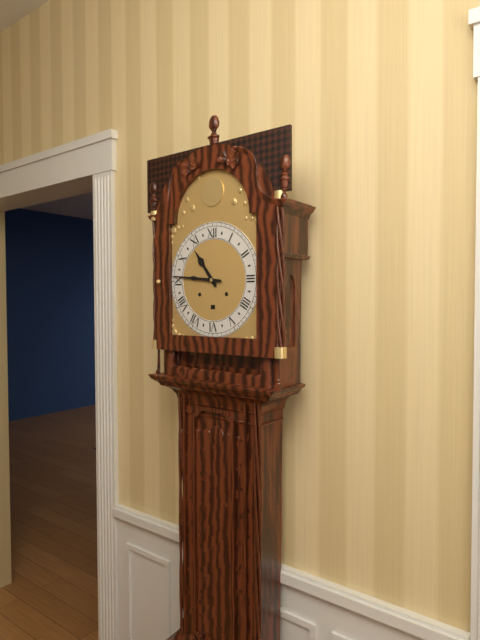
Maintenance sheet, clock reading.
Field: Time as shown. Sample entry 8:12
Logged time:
10:46
